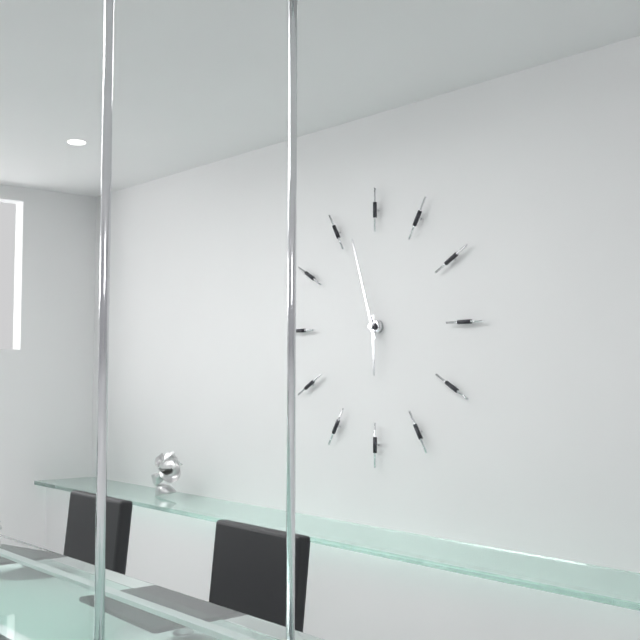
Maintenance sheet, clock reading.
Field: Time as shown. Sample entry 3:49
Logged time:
5:57
